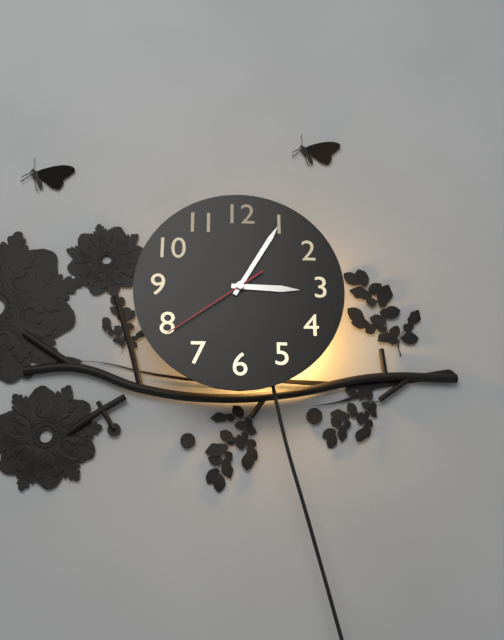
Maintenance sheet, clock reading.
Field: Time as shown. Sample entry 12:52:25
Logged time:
3:05:39
